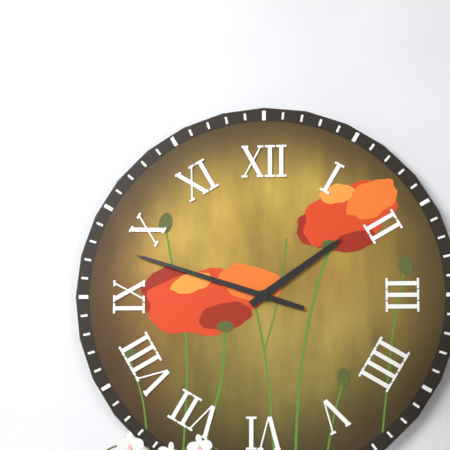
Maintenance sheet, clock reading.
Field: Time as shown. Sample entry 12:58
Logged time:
1:48
